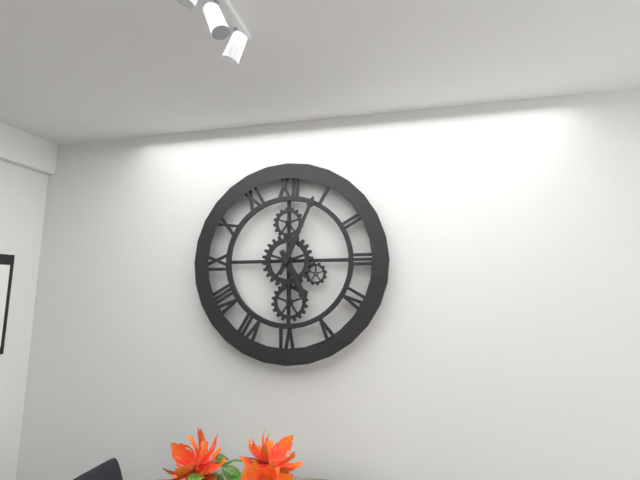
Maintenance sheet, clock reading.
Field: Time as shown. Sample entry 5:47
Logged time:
5:04
